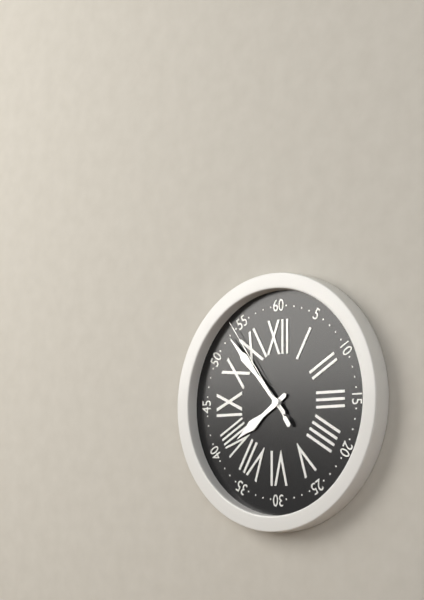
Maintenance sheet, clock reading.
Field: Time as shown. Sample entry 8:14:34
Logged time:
7:53:54
